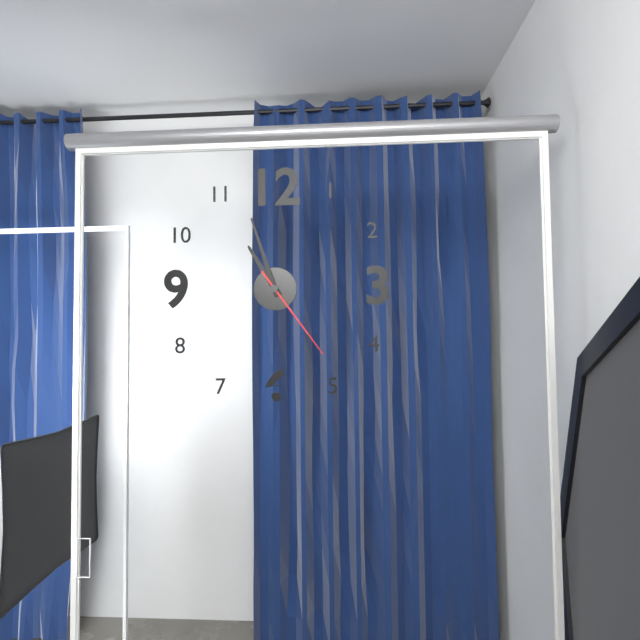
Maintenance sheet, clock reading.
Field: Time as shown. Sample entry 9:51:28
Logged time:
10:57:24
